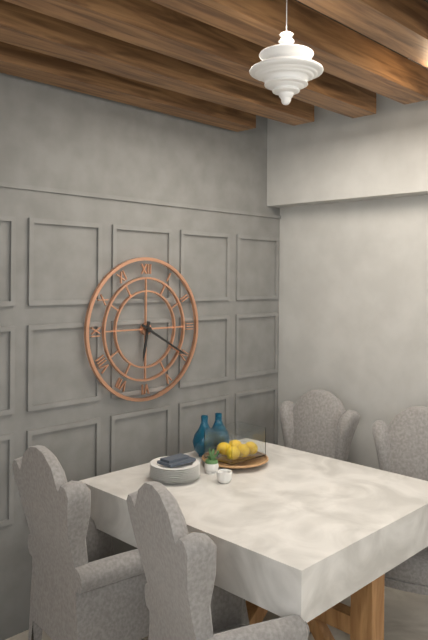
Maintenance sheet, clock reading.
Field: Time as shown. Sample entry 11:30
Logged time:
6:20
